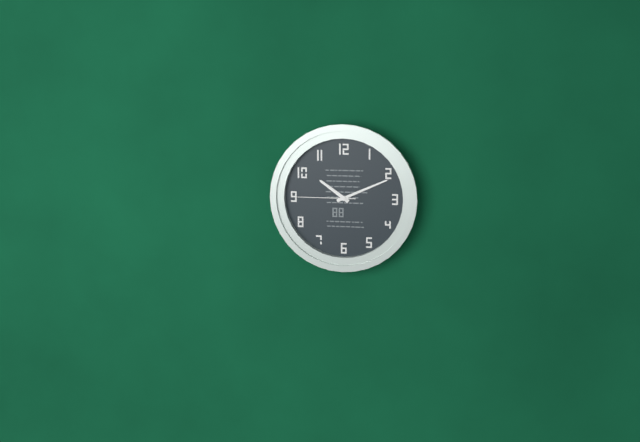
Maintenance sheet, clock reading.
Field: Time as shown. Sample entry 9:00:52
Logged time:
10:11:45
